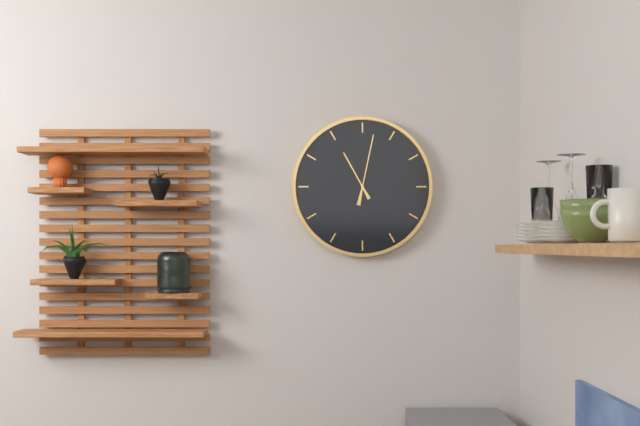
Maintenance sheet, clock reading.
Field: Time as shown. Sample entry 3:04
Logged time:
11:02
